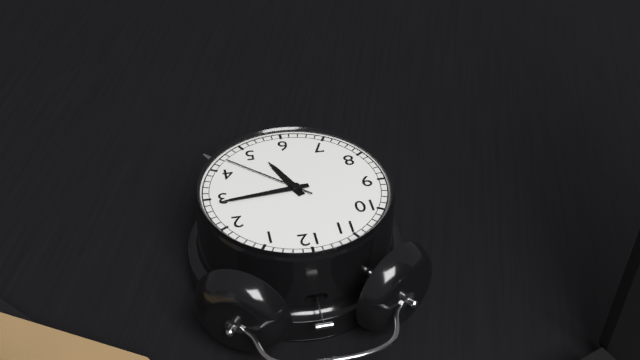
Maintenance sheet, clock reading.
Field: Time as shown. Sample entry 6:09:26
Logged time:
5:14:22
